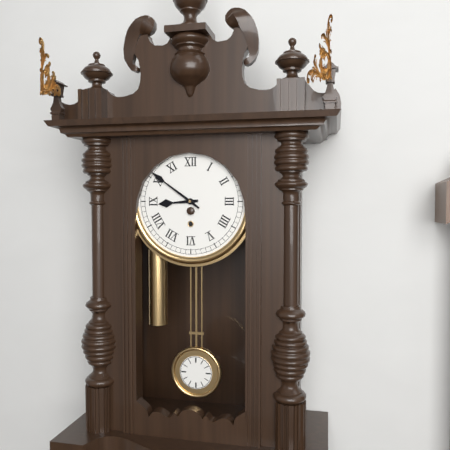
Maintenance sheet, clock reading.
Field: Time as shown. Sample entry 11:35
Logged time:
8:51
